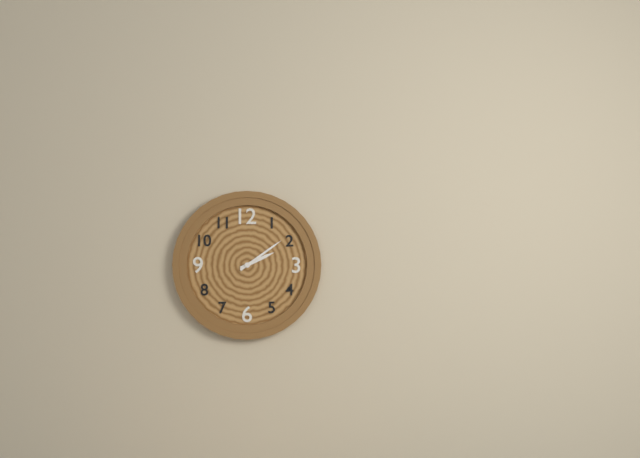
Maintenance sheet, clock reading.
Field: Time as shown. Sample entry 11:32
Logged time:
2:09
